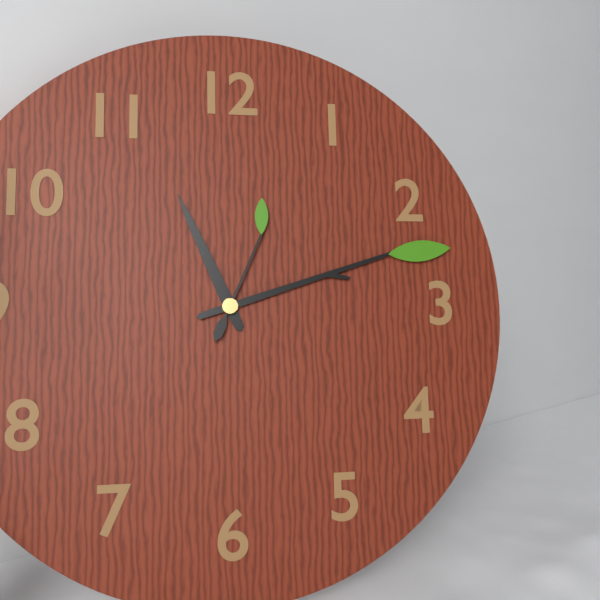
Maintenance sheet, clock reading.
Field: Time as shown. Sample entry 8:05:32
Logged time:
11:12:04
